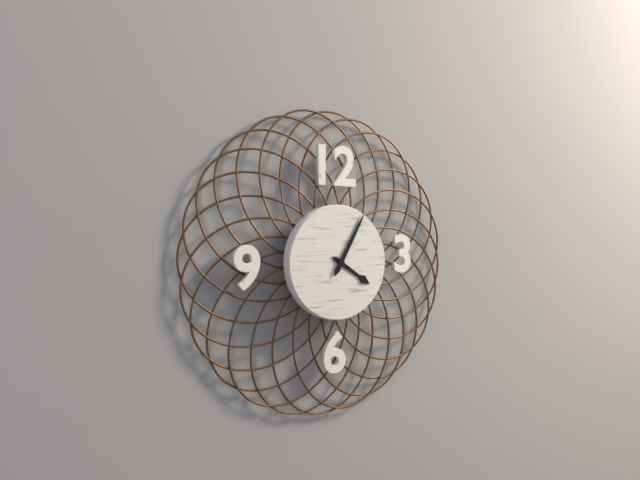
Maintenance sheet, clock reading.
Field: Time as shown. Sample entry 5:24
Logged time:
4:05
